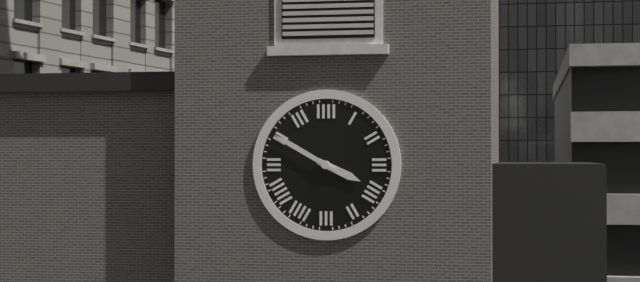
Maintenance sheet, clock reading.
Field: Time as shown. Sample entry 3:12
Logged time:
3:50
